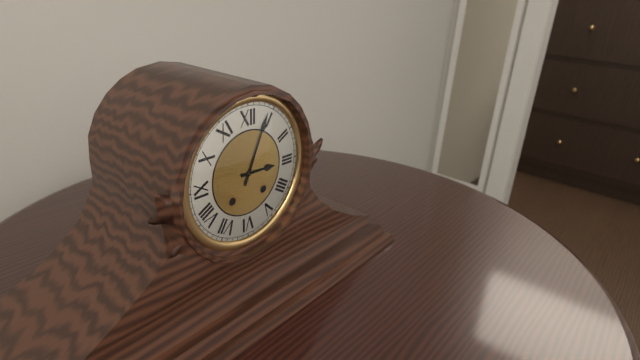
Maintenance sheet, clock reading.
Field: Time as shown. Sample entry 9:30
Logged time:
3:04
